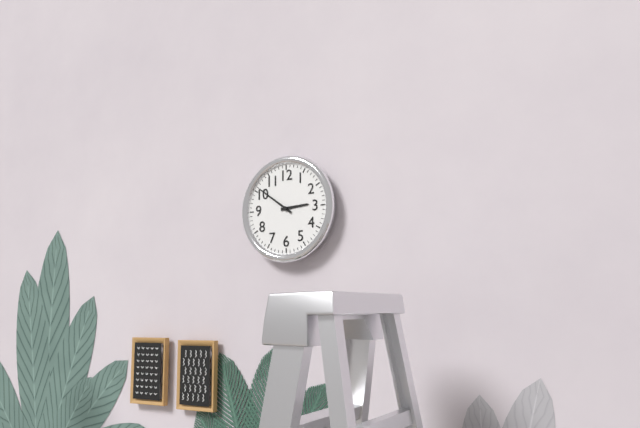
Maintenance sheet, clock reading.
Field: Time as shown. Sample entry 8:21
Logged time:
2:51
